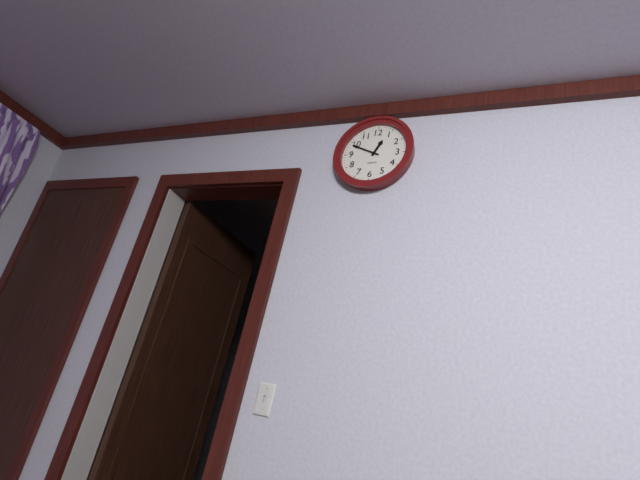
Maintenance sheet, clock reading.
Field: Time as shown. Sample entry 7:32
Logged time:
12:49
